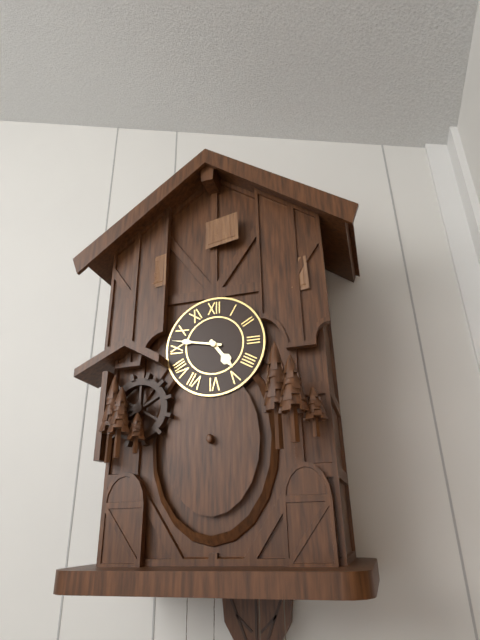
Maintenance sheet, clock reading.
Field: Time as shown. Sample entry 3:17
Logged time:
4:47
